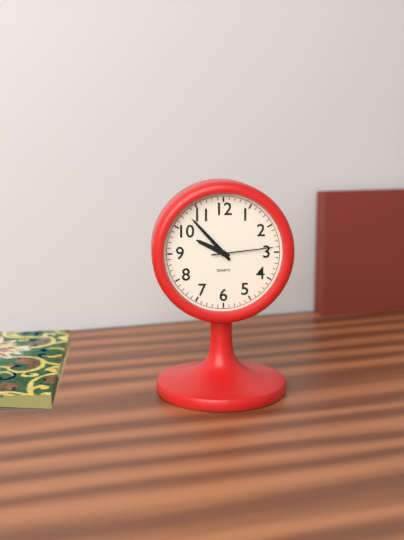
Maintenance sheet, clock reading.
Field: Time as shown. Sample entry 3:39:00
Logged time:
9:53:14
